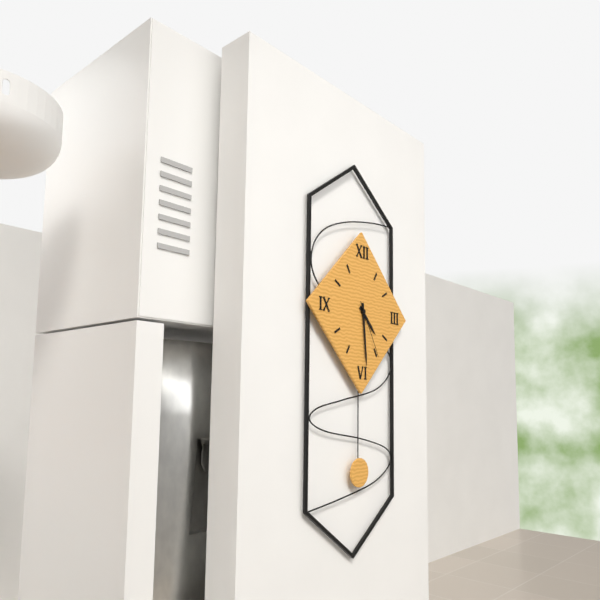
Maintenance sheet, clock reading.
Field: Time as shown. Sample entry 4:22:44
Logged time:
4:29:25
